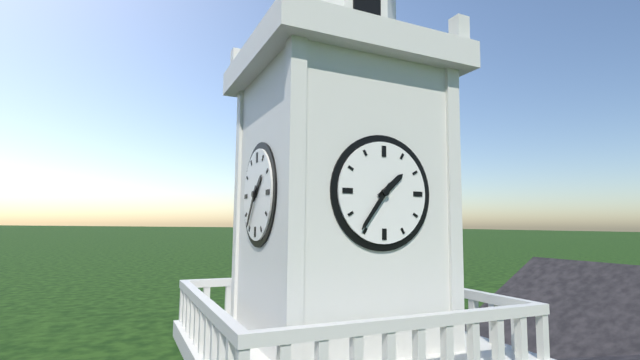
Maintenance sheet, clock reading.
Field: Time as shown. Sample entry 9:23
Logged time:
1:36
